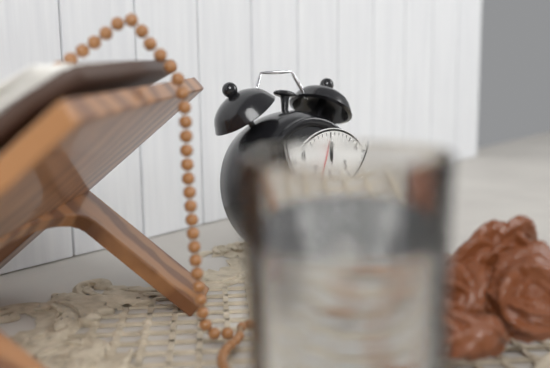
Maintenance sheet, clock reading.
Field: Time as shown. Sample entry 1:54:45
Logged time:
5:55:33
